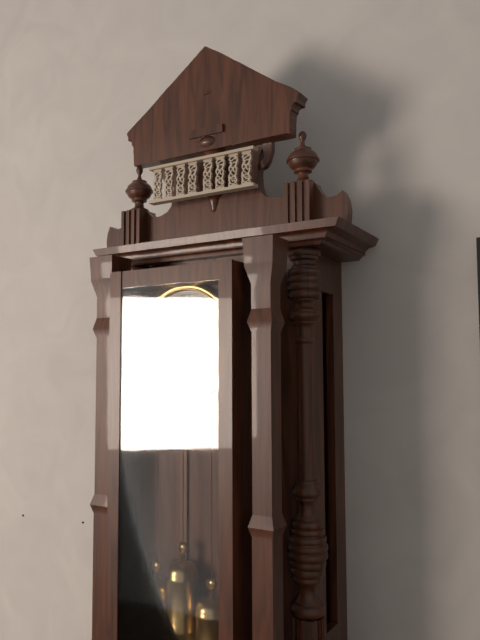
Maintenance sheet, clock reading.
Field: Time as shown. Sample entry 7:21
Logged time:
4:58
